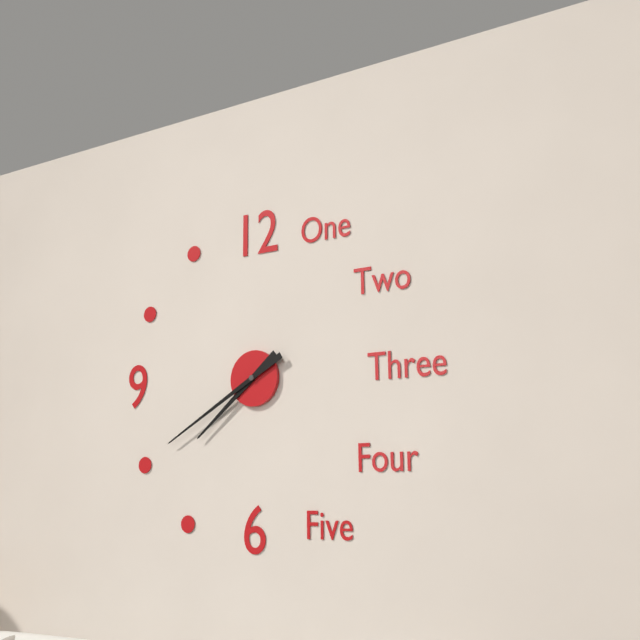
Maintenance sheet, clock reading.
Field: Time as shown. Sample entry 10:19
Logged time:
7:40
